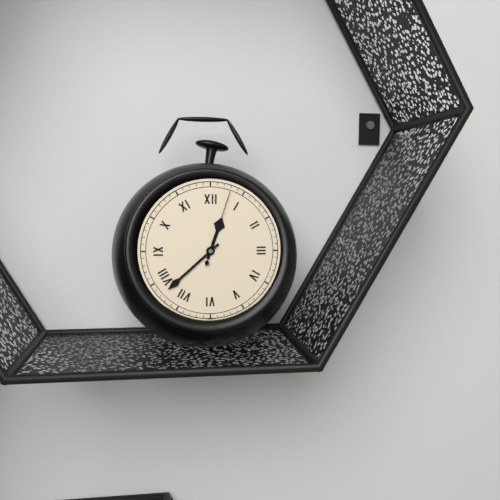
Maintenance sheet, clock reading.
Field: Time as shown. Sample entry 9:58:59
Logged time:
12:38:03
